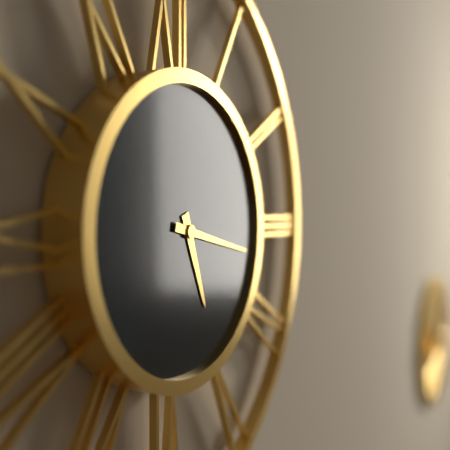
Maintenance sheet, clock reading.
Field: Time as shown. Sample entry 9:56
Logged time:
5:17
